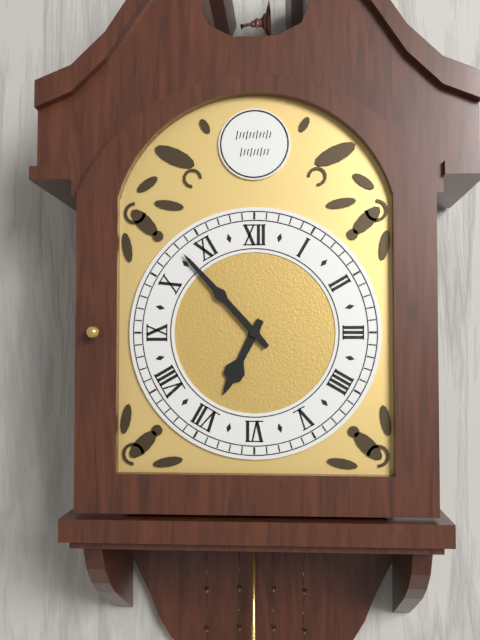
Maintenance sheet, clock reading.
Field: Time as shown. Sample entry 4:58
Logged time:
6:53
